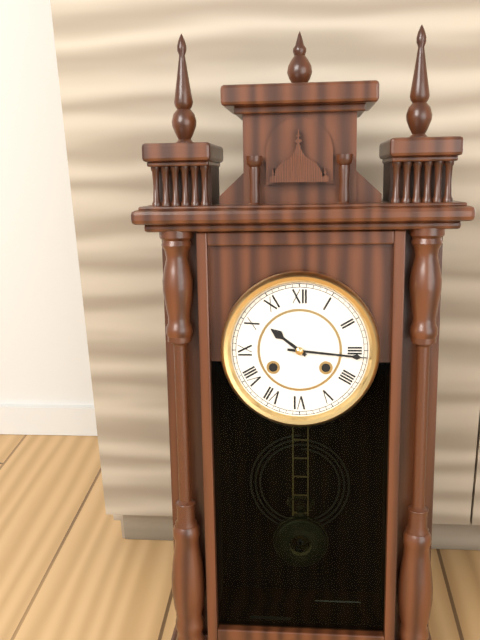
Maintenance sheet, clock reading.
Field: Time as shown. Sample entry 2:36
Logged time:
10:16
